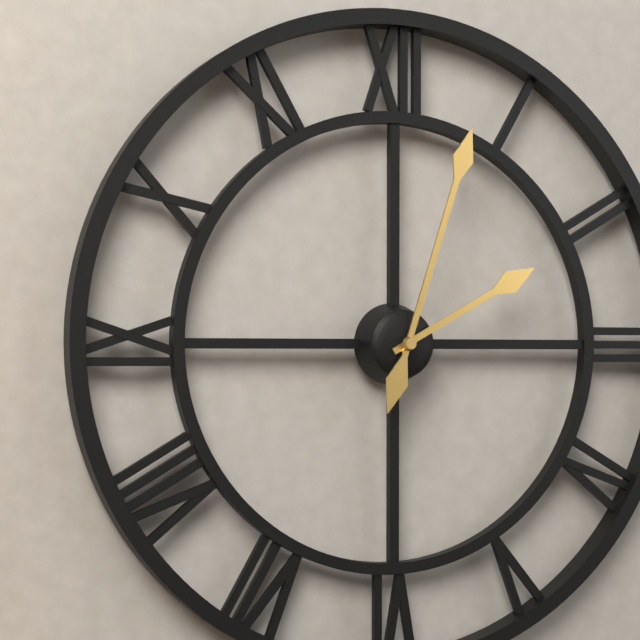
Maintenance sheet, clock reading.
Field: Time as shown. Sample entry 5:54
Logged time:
2:03
